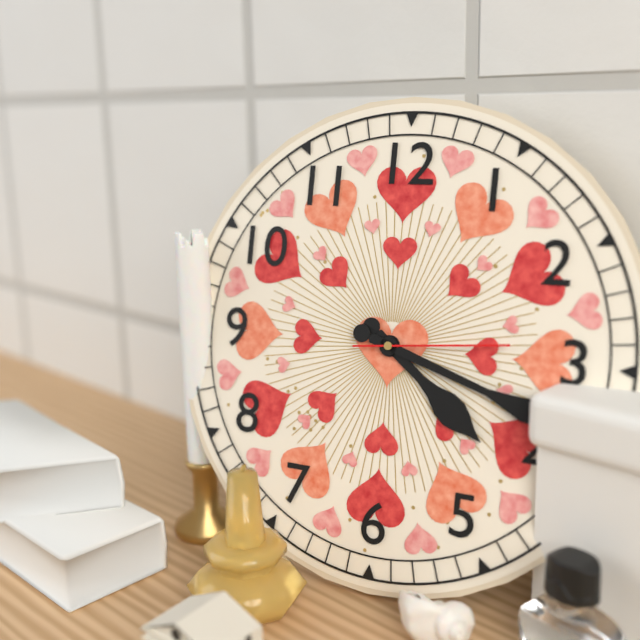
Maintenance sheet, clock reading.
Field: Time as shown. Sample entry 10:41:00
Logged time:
4:18:14
